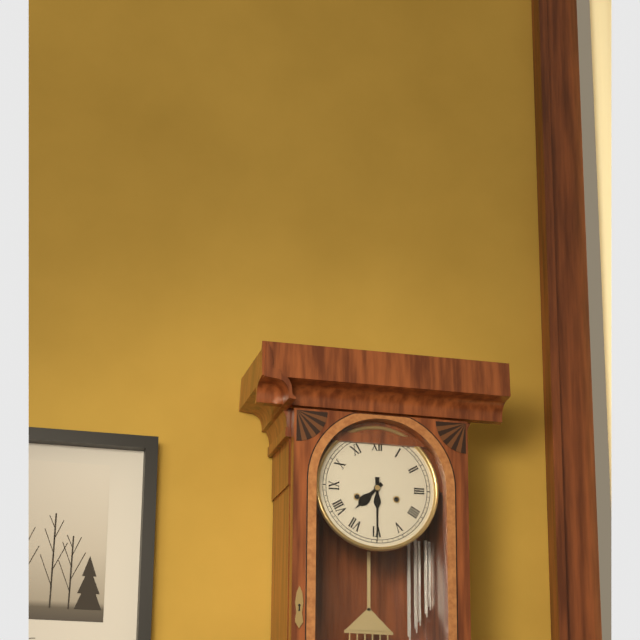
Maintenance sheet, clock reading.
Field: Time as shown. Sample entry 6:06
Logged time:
7:30
